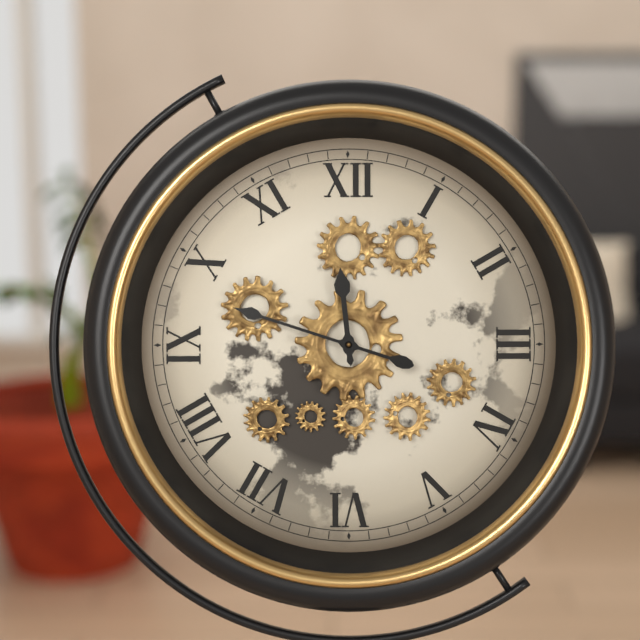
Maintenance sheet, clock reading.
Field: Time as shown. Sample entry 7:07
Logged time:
11:48
